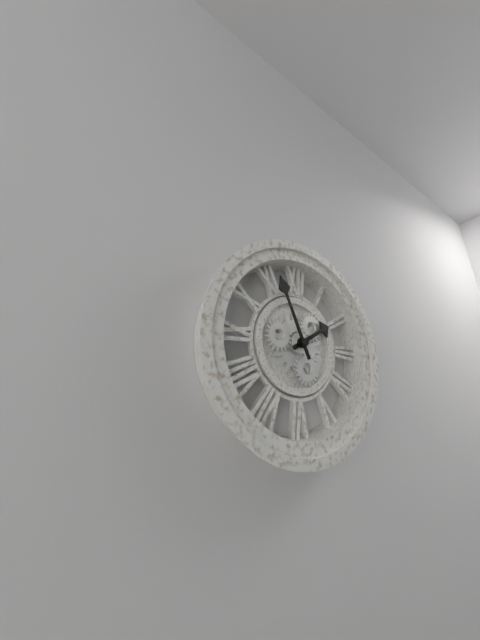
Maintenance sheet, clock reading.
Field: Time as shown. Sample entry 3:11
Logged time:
1:56
